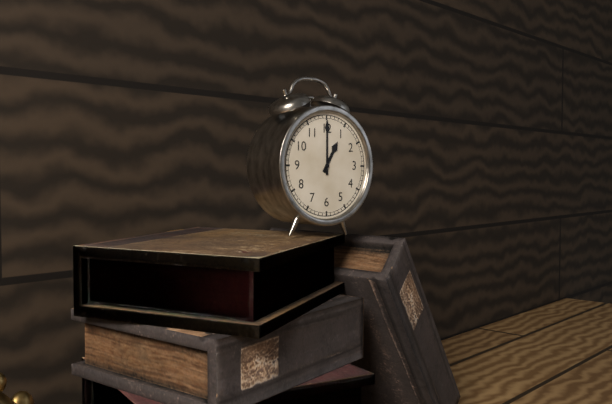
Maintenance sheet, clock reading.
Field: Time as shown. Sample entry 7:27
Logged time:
1:00
